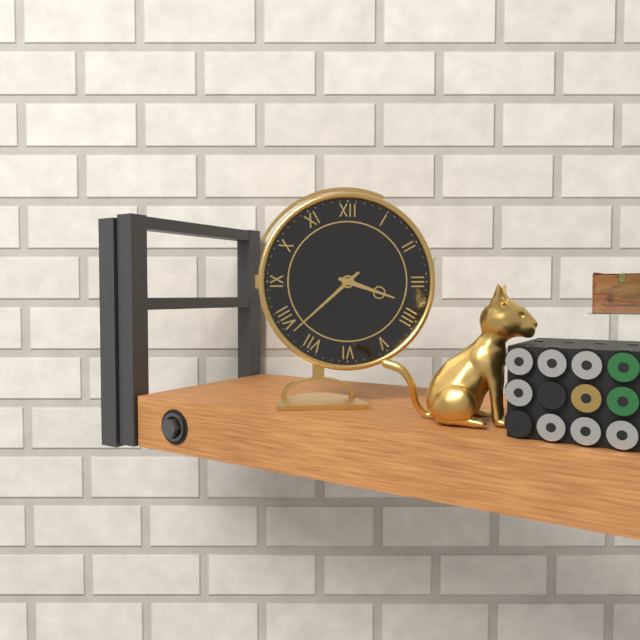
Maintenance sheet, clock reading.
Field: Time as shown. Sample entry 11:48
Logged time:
3:38
